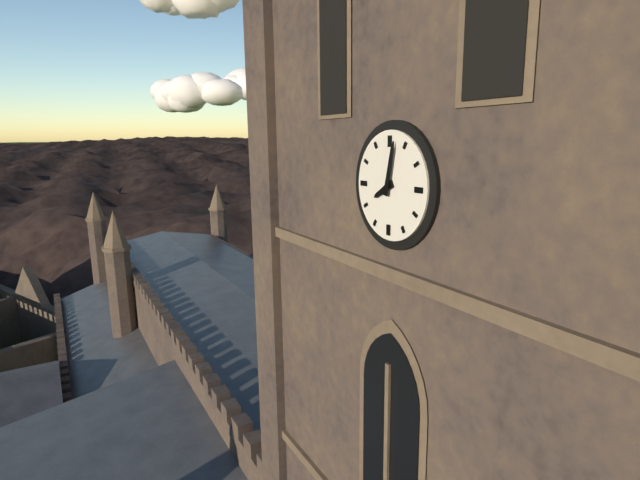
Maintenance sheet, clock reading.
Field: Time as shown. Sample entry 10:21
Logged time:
8:02
